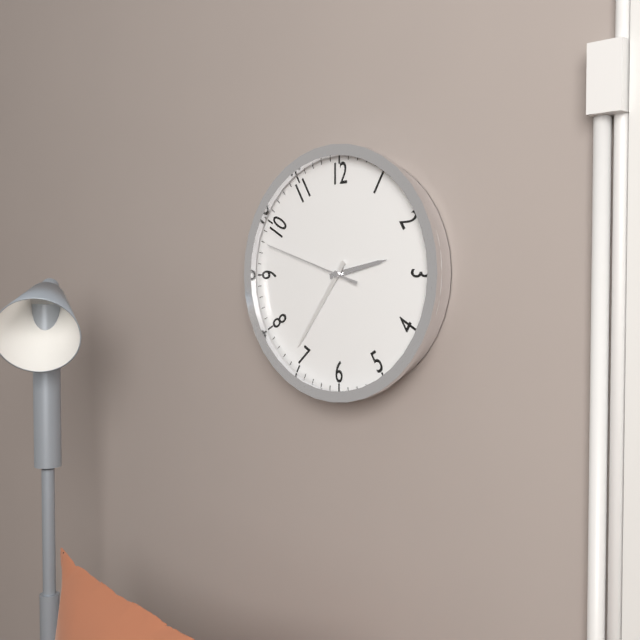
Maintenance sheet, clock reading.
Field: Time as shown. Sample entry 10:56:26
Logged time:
2:36:48
